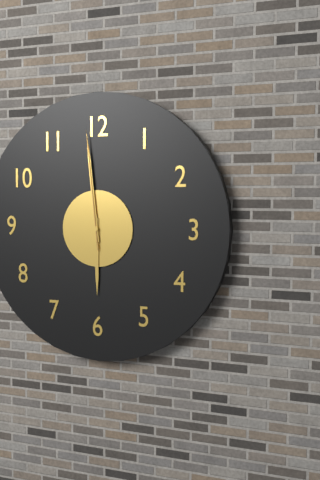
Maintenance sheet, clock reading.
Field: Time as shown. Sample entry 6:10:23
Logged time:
5:59:59
